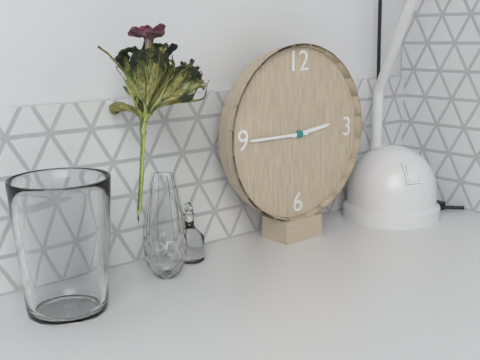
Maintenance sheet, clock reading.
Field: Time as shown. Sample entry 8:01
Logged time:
2:45
